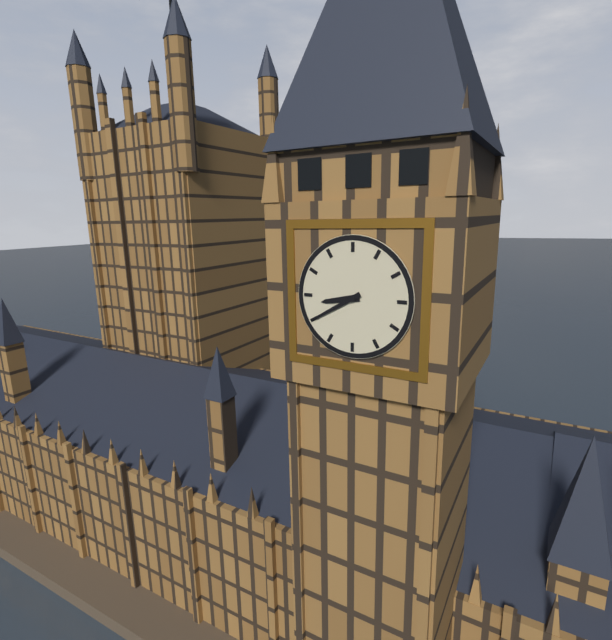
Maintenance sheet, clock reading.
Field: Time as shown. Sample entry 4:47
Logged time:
8:40
